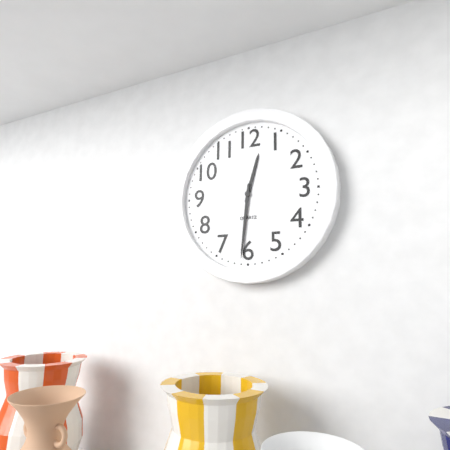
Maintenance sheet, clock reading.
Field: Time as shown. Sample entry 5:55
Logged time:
12:31
